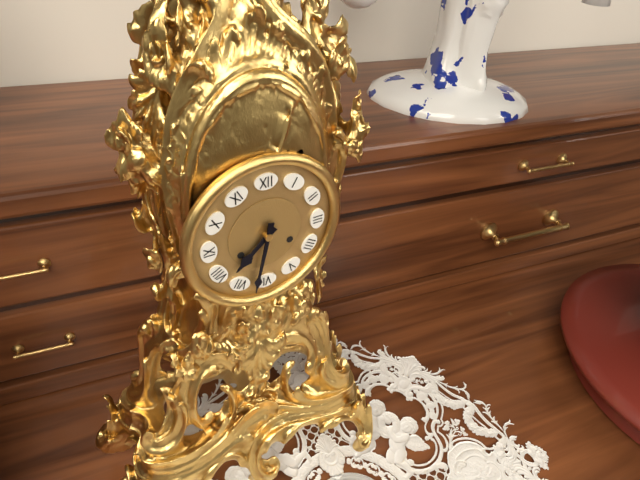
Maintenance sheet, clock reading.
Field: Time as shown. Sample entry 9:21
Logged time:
7:32
